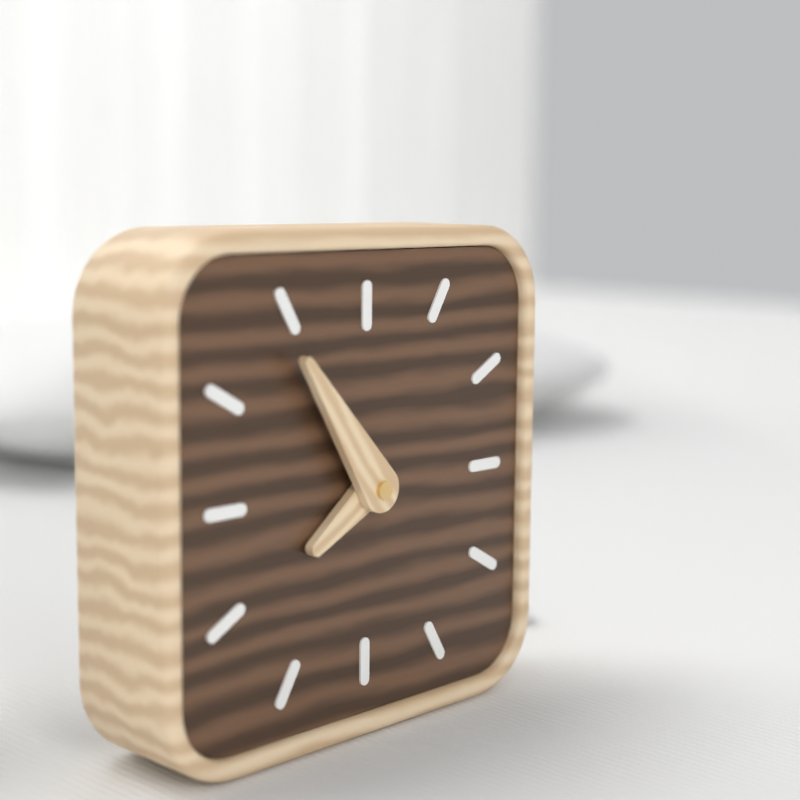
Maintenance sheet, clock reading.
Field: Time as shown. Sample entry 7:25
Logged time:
7:54
